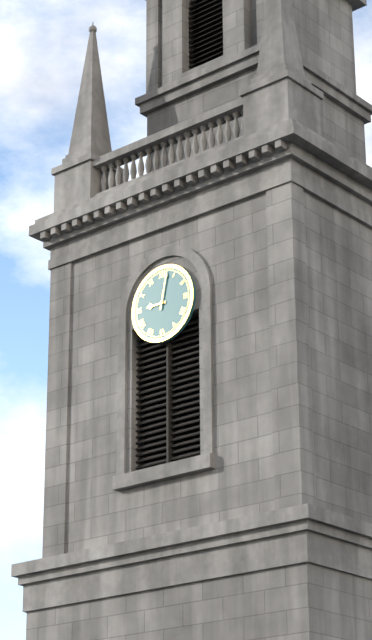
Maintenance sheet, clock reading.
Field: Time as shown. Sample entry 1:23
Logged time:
9:02
